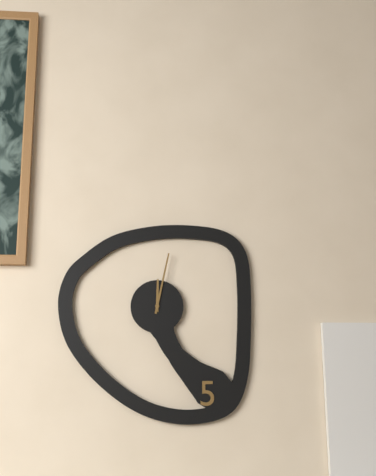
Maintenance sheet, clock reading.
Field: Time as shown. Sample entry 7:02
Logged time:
12:02
